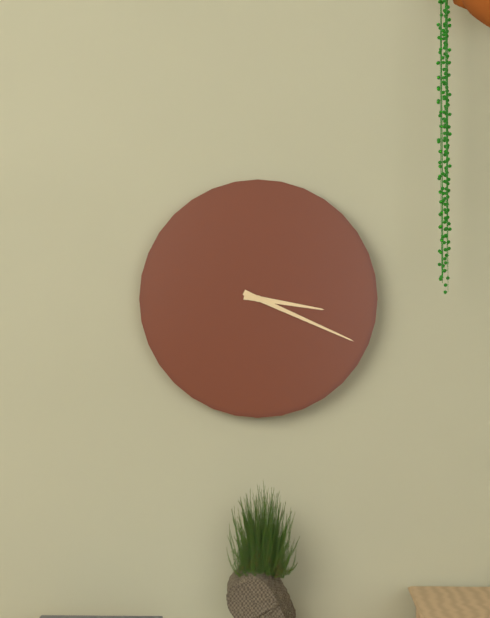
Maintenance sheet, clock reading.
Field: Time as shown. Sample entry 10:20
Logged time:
3:19
